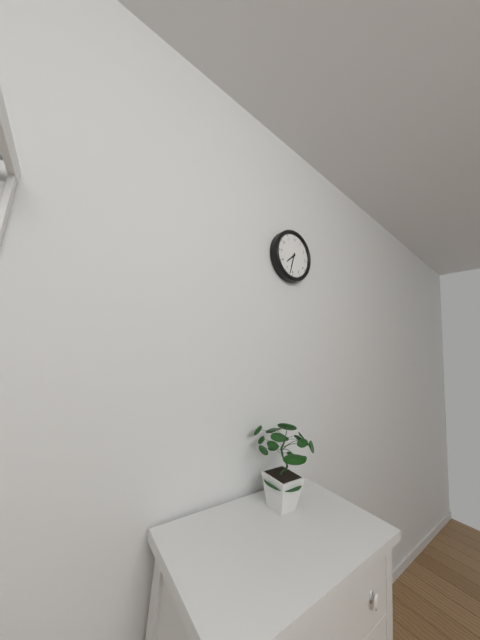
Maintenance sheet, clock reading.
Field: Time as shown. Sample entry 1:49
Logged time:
7:32
